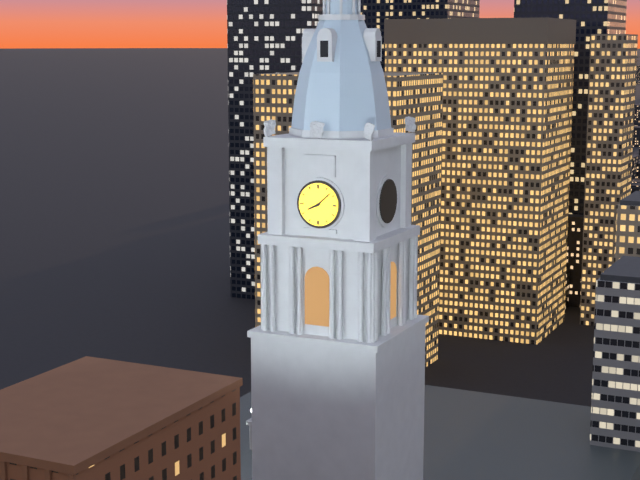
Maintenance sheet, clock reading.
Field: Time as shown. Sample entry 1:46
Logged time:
8:08
